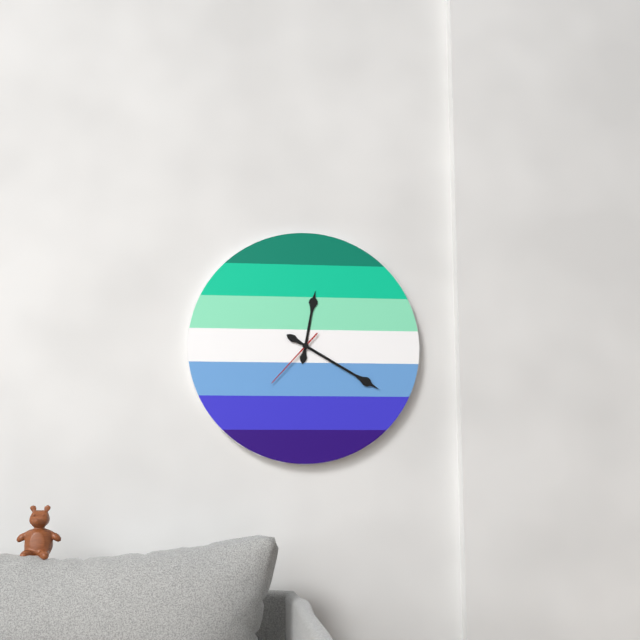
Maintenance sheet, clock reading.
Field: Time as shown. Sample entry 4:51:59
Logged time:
12:20:37
